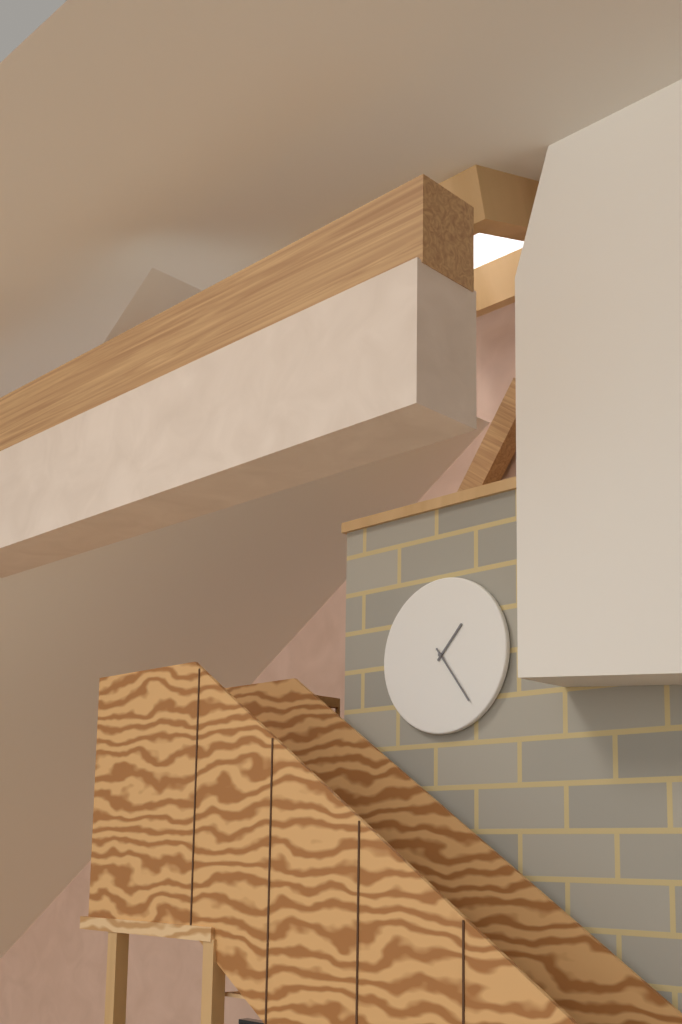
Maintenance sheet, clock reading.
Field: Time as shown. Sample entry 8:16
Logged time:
1:24
